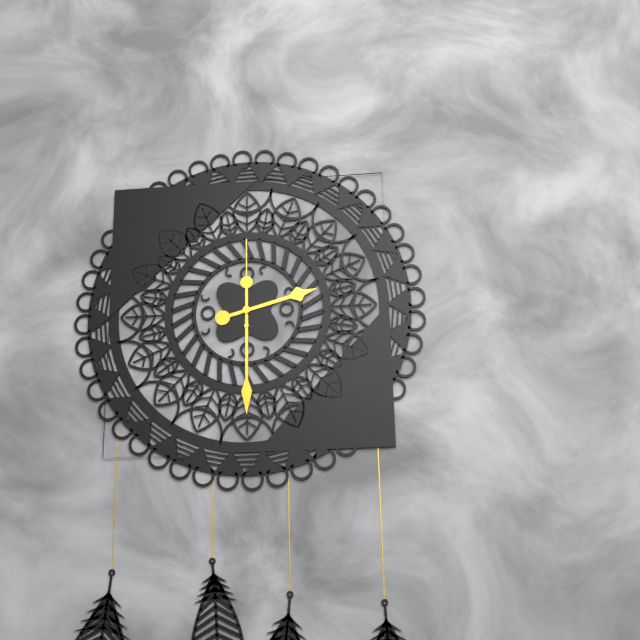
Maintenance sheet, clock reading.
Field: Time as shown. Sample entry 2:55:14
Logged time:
2:30:00
